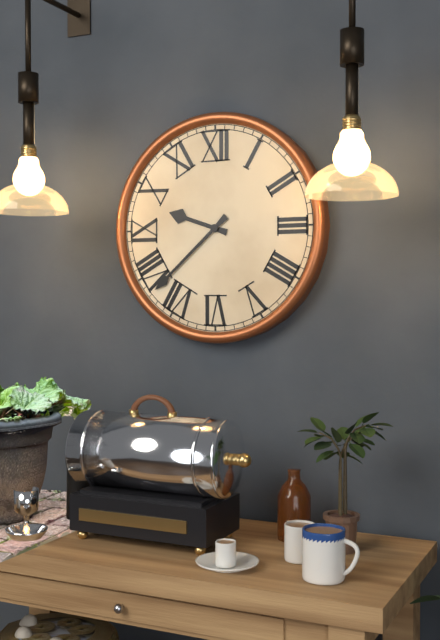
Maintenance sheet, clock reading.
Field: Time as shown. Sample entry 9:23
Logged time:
9:38
